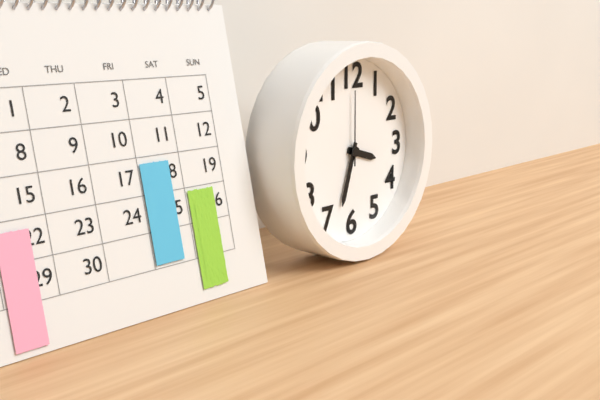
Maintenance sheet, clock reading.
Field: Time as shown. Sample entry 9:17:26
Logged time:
3:33:00
